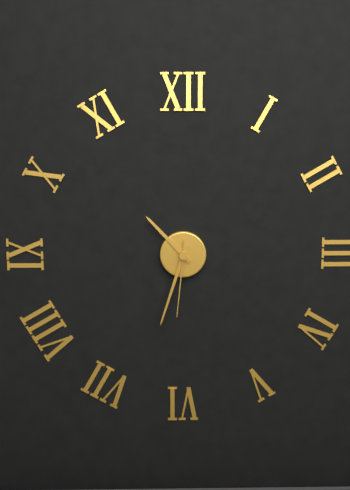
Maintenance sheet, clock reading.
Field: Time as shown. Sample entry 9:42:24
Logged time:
10:33:31
